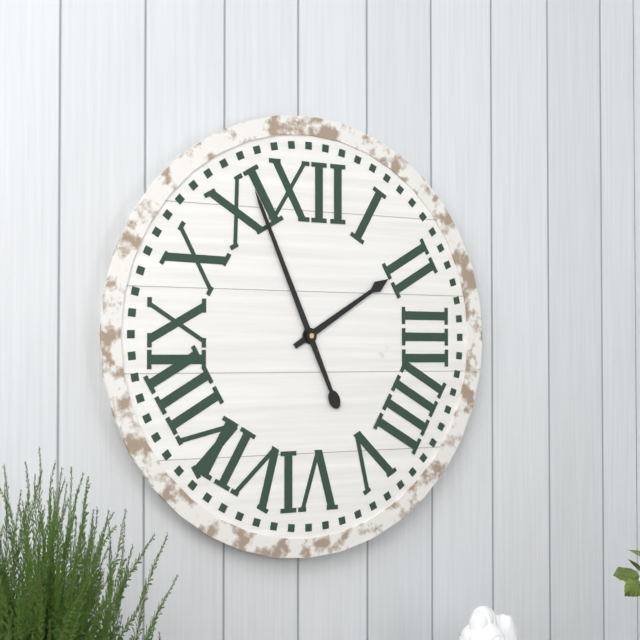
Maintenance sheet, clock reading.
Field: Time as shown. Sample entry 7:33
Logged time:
1:56
